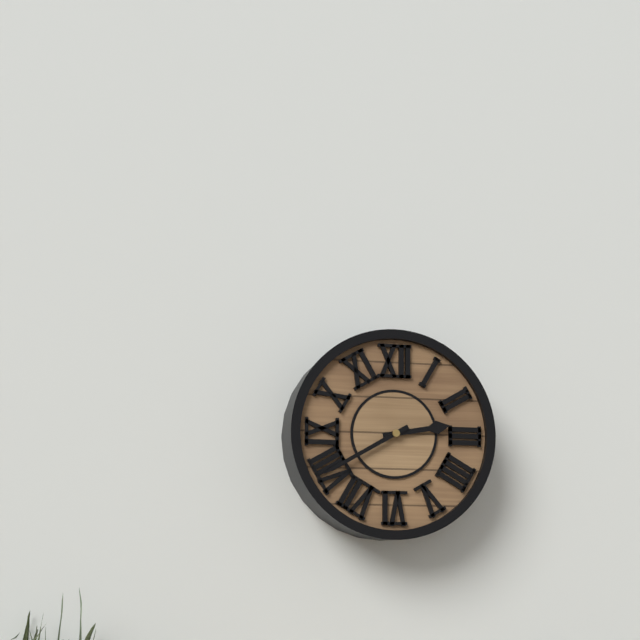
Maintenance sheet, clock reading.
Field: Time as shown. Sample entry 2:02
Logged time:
2:40
